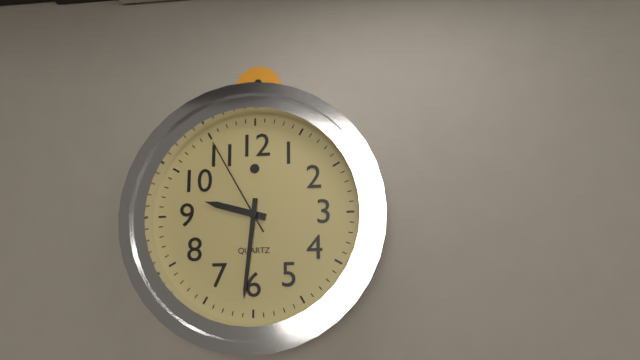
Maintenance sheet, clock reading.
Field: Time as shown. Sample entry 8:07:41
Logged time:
9:31:55
